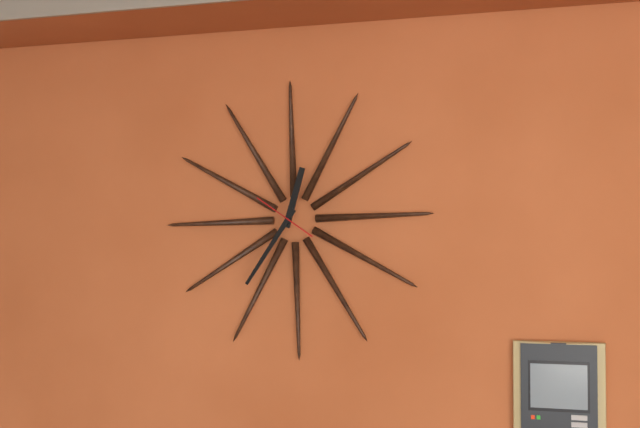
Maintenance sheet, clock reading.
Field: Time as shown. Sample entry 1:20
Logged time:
12:36
